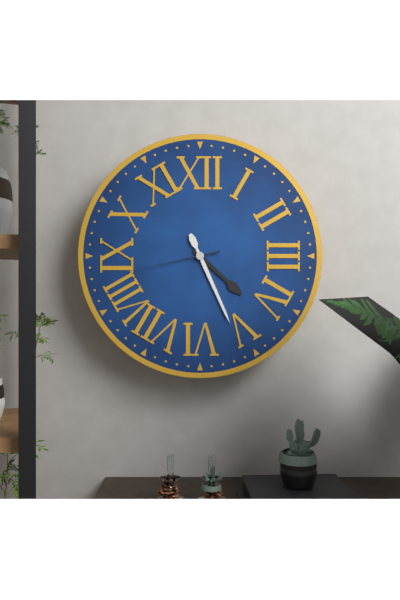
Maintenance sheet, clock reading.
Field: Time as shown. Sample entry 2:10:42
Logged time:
4:26:43
